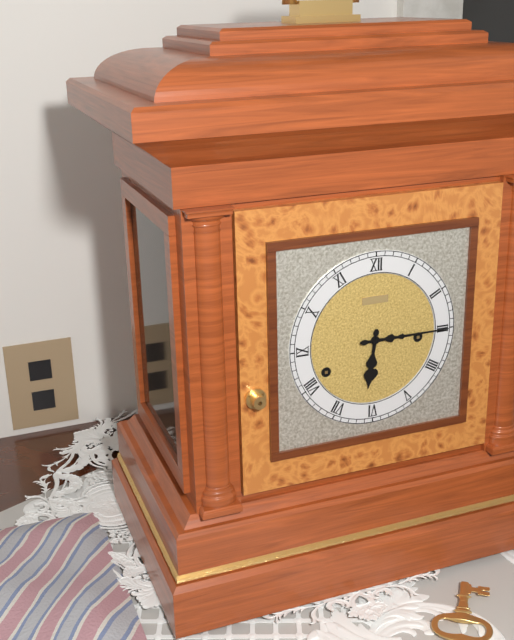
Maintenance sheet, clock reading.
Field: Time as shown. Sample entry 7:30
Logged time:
6:15
